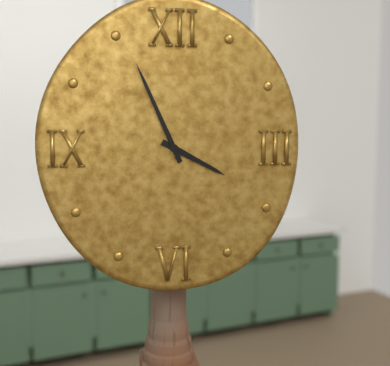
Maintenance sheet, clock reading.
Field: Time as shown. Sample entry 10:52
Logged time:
3:56
